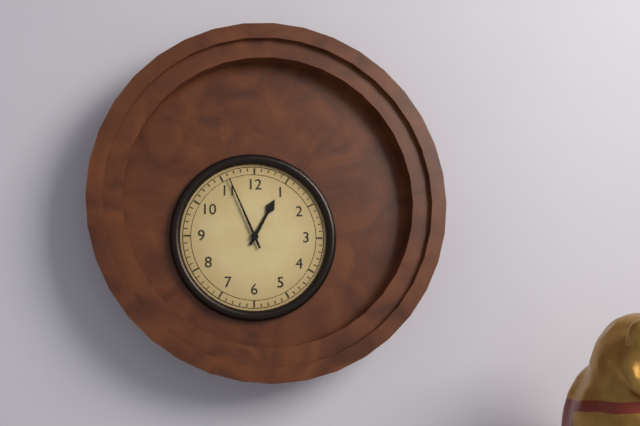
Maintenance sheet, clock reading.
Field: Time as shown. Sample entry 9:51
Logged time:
12:56
